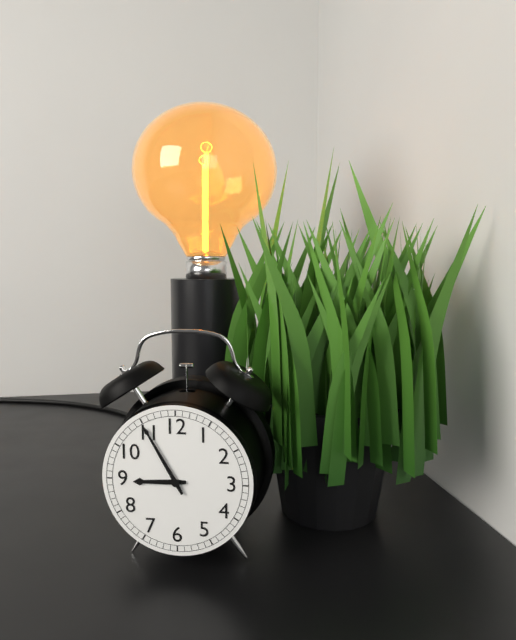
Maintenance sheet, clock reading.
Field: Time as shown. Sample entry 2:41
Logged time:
8:55
